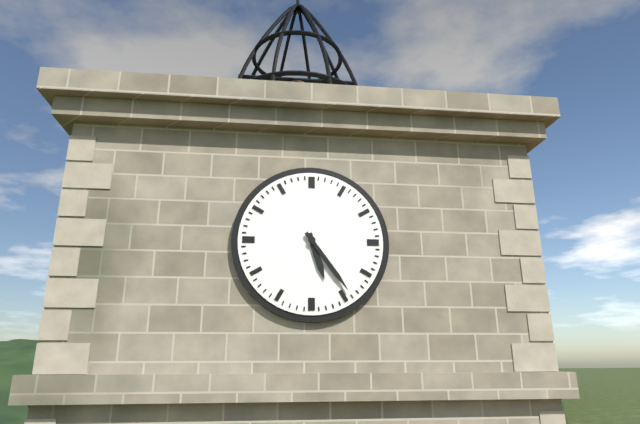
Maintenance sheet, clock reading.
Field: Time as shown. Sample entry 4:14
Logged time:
5:24
